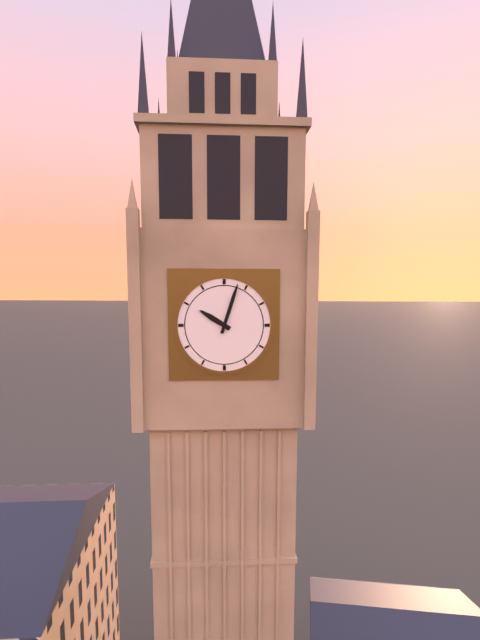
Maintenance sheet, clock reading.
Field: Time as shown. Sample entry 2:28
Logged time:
10:03
